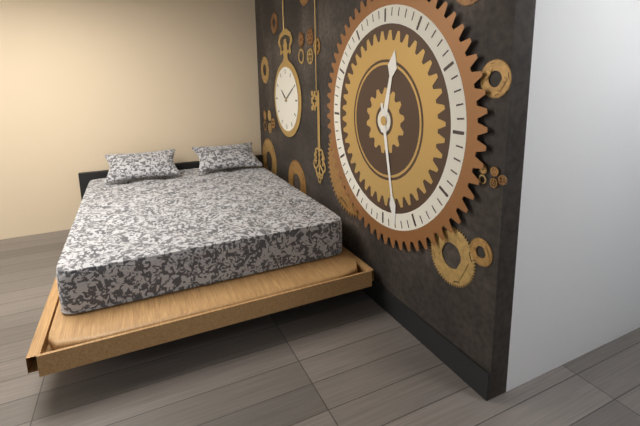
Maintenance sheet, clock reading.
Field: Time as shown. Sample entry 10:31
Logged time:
12:28
